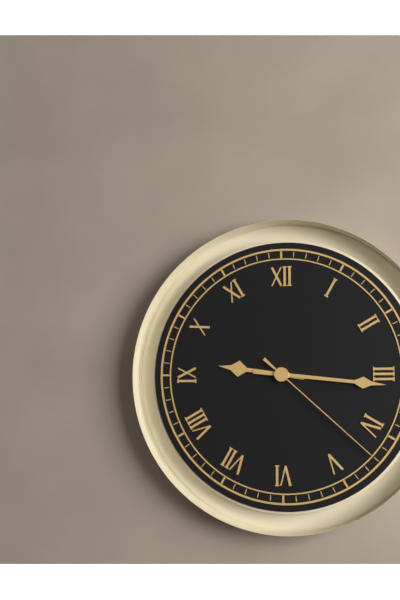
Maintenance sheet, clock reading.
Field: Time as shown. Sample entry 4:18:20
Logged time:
9:16:22
